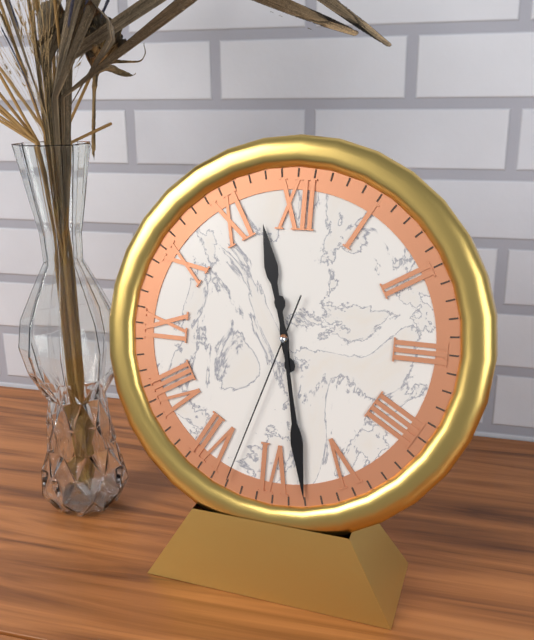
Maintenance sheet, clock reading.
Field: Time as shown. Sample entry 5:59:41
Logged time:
11:28:33
